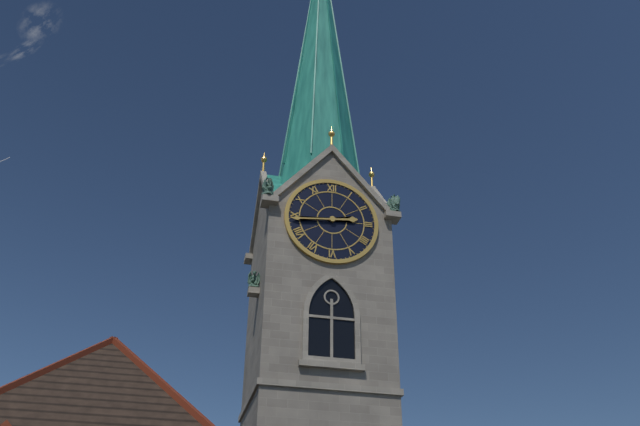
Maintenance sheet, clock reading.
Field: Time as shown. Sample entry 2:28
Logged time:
2:44
